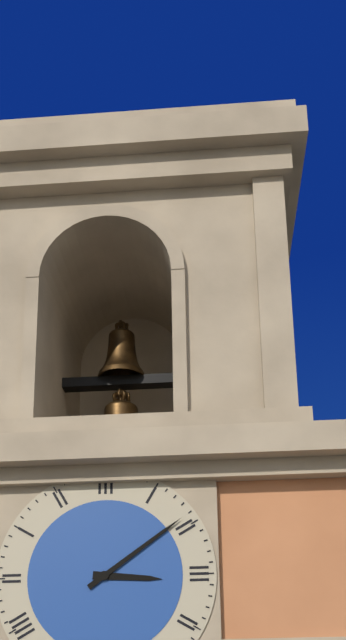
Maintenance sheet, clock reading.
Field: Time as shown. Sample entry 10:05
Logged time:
3:09
